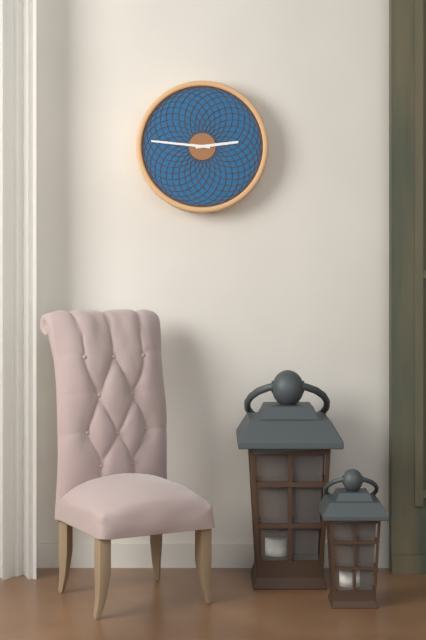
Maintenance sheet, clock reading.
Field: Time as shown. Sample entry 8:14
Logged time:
2:46
